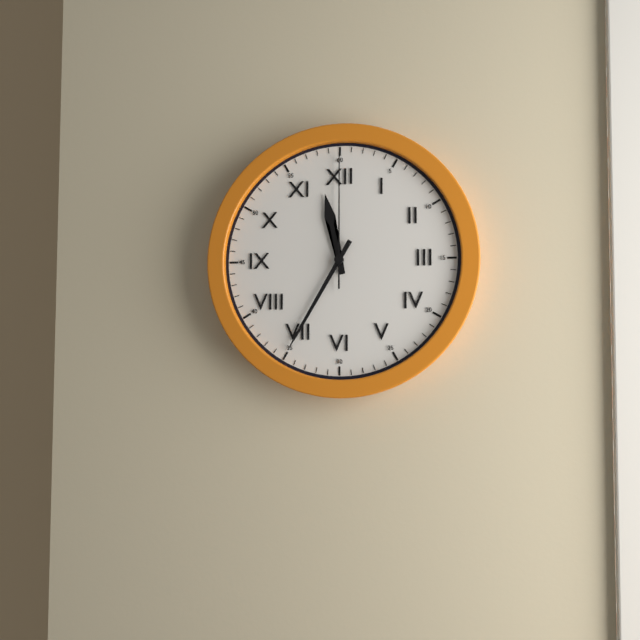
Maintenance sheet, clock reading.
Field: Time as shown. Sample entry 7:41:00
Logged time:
11:35:00
